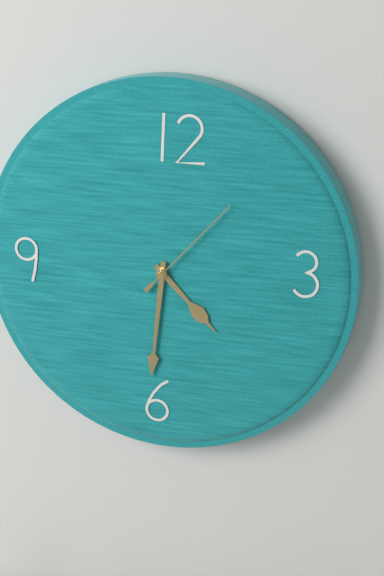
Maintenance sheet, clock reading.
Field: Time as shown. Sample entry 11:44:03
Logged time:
4:31:07
